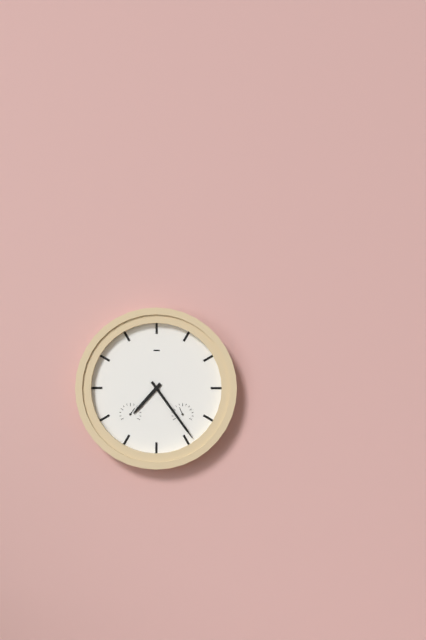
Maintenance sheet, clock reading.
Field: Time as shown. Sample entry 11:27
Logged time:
7:24
